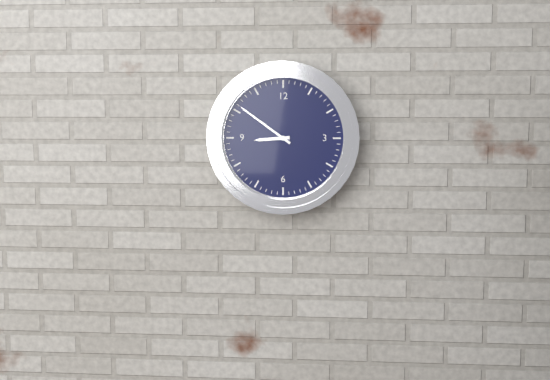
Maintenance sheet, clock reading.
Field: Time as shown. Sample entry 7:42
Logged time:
8:51
